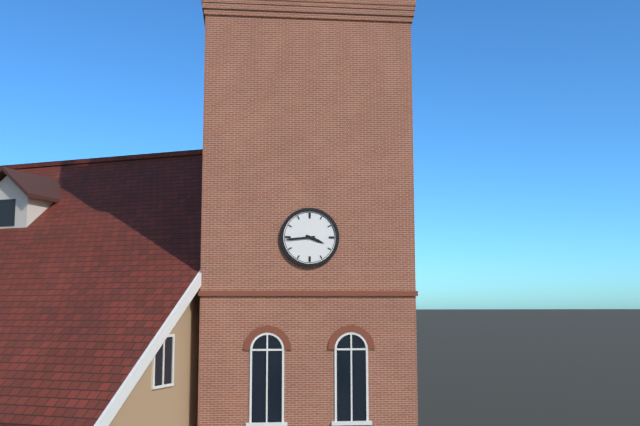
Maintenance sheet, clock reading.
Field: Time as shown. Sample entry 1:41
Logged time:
3:44
